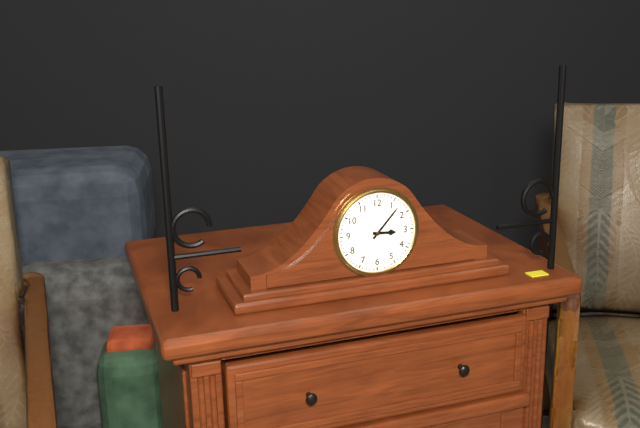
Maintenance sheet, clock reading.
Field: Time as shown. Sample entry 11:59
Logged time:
3:07
